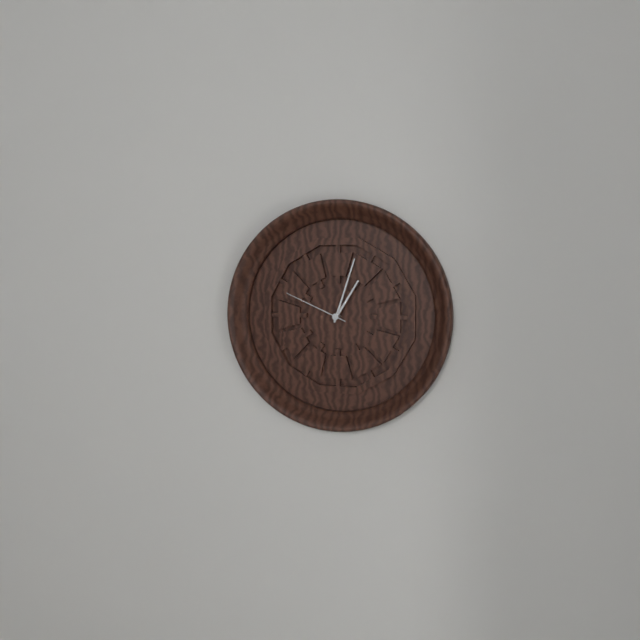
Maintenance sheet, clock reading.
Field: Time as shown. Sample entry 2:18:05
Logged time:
1:03:49
